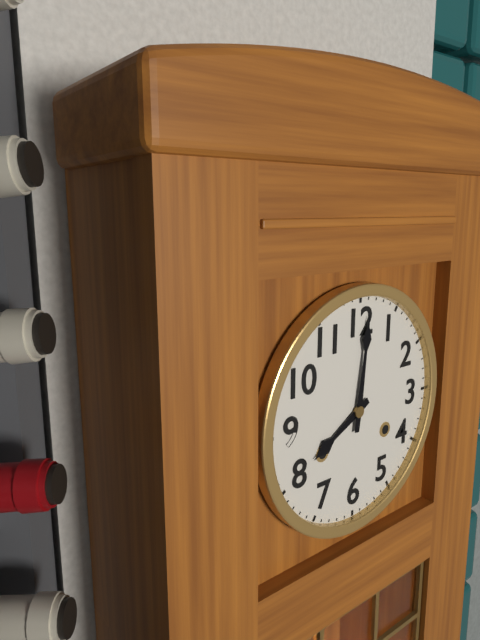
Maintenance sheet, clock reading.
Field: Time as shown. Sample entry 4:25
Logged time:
8:01
